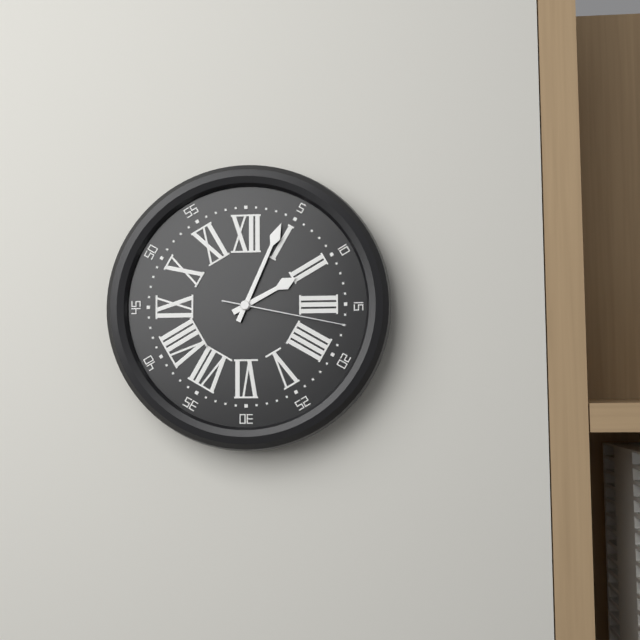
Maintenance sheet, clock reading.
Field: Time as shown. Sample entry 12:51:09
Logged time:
2:04:17
